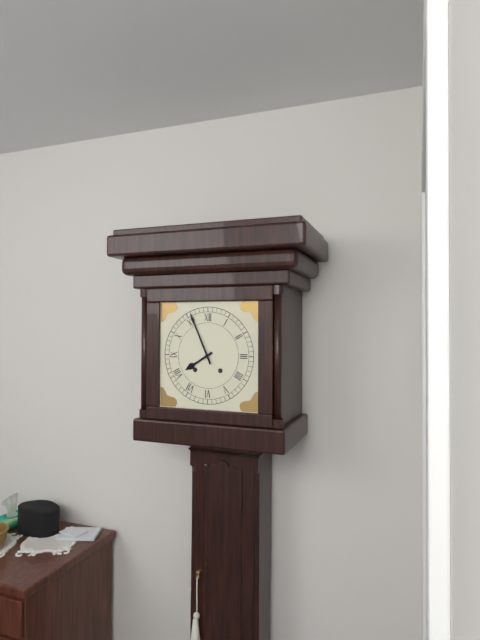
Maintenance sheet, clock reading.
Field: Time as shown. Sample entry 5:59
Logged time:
7:56
